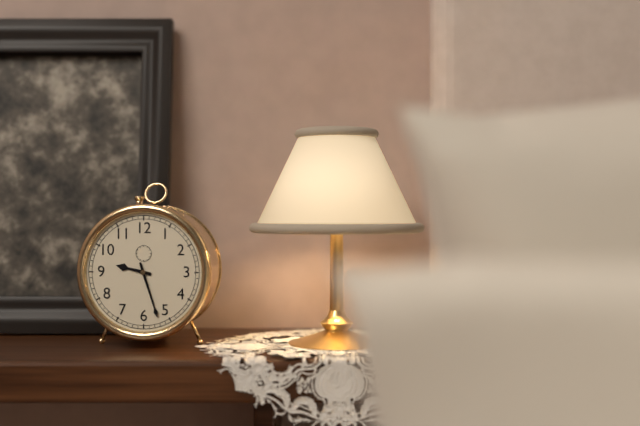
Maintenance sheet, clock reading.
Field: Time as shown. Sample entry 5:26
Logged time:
9:27
